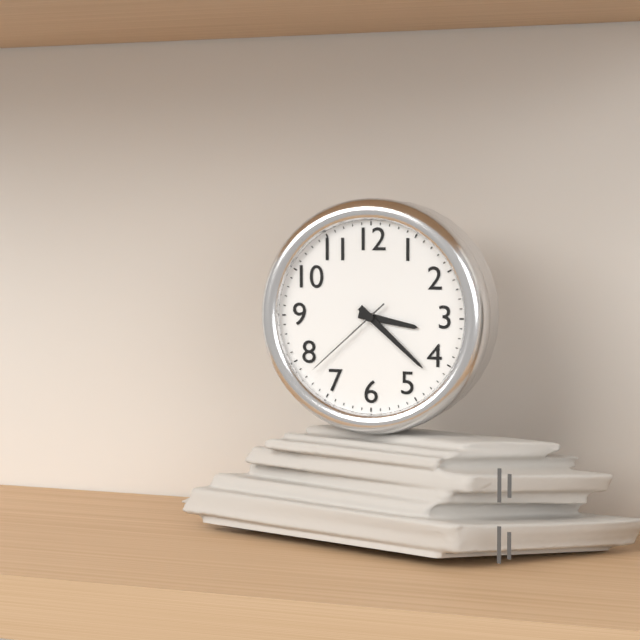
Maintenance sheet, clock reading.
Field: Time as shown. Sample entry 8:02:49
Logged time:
3:22:38
